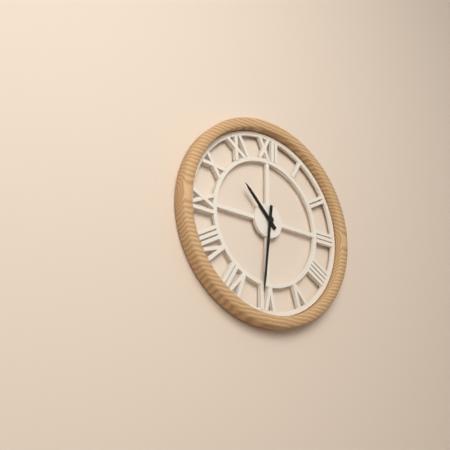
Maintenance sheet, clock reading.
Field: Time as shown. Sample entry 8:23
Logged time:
10:31
